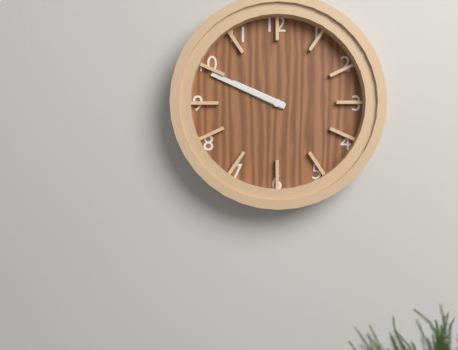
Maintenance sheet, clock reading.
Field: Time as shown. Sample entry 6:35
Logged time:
9:49
